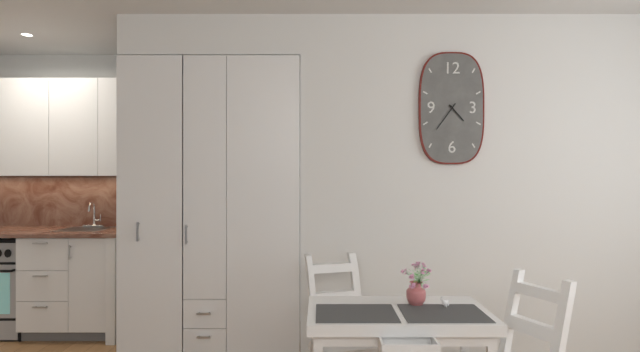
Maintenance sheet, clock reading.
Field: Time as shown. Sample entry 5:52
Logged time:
4:36
